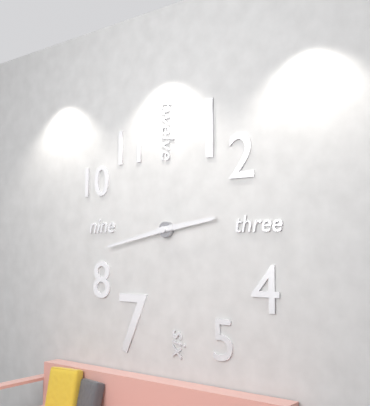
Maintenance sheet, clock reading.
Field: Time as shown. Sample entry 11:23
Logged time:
2:43
